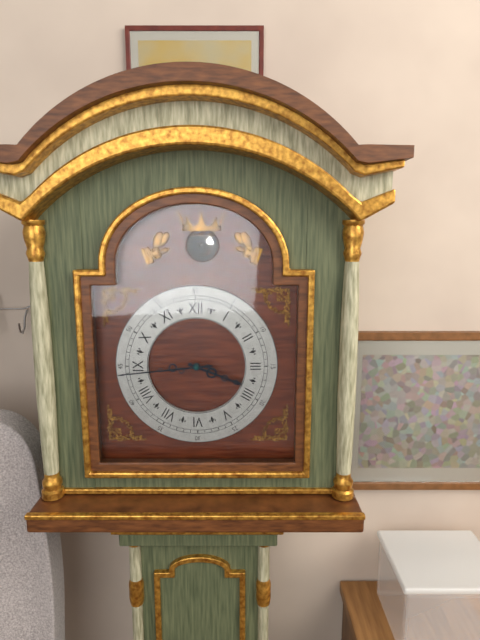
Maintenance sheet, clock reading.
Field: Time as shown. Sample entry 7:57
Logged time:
3:44
